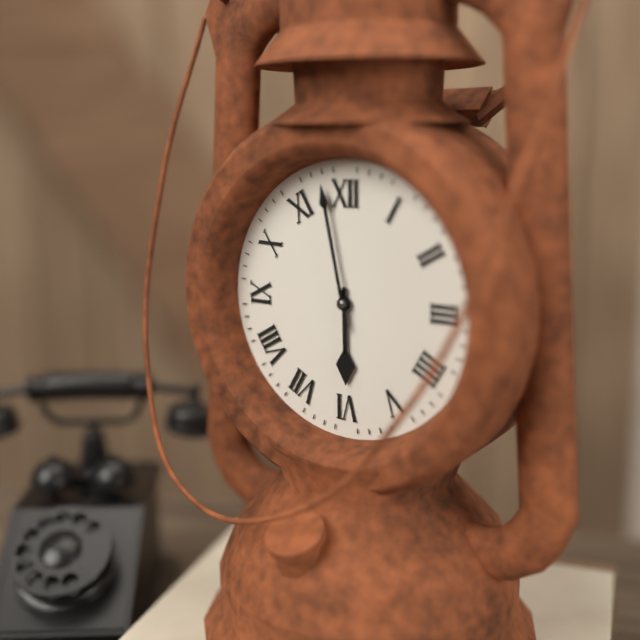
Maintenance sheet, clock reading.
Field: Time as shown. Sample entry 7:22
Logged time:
5:58
